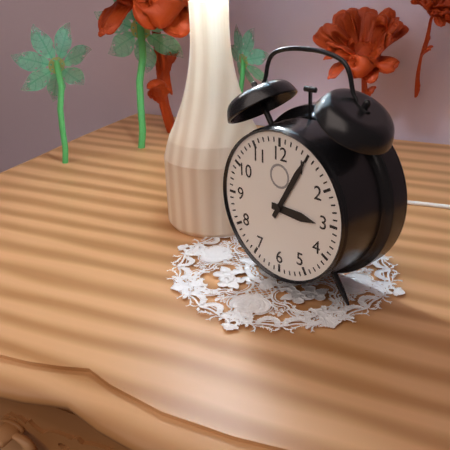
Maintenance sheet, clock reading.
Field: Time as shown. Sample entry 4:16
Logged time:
3:05
